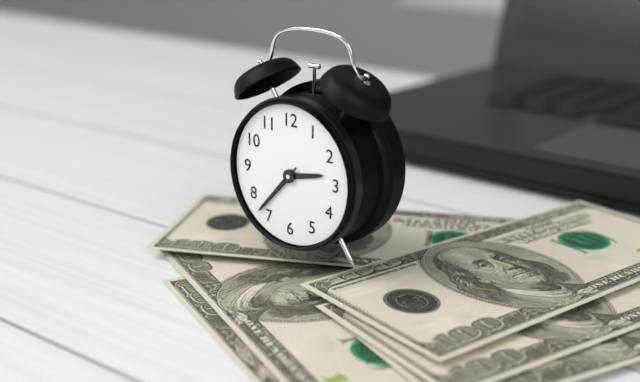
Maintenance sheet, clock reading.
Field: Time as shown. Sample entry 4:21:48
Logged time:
2:37:37
